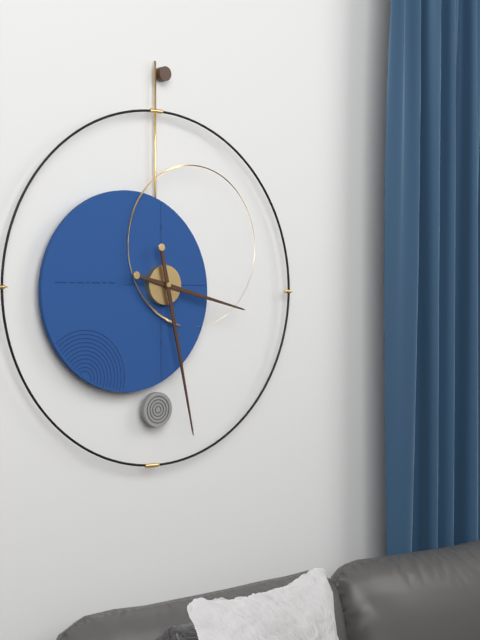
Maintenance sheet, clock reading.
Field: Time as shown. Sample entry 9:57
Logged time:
3:28
